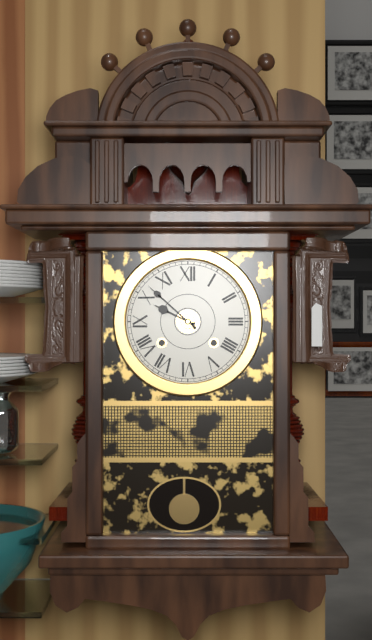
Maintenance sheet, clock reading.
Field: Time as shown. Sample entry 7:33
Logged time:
9:52
